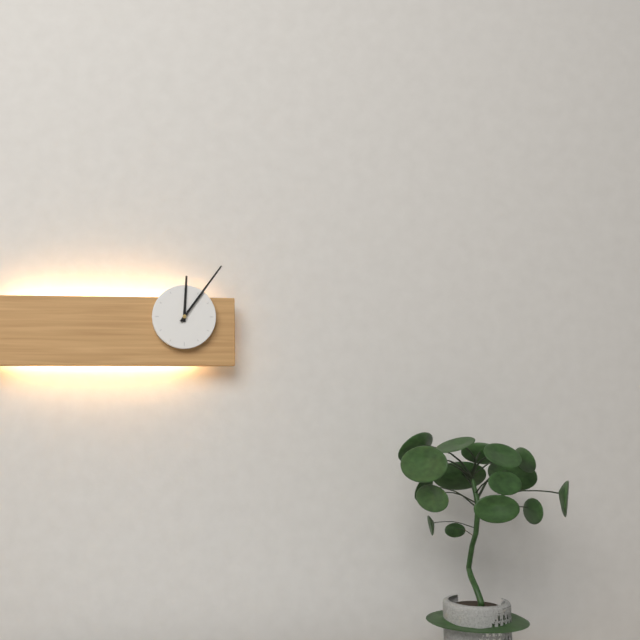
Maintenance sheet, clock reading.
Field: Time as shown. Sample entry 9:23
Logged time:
12:06
